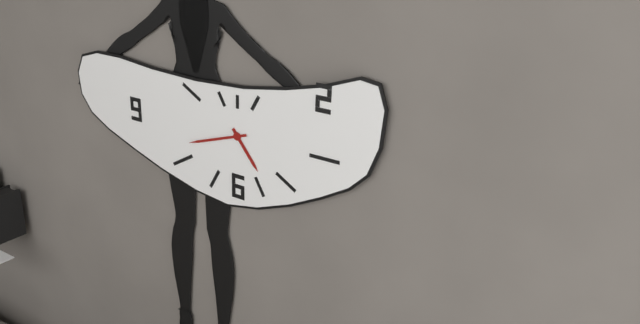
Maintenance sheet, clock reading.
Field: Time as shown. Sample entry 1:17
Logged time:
4:42
